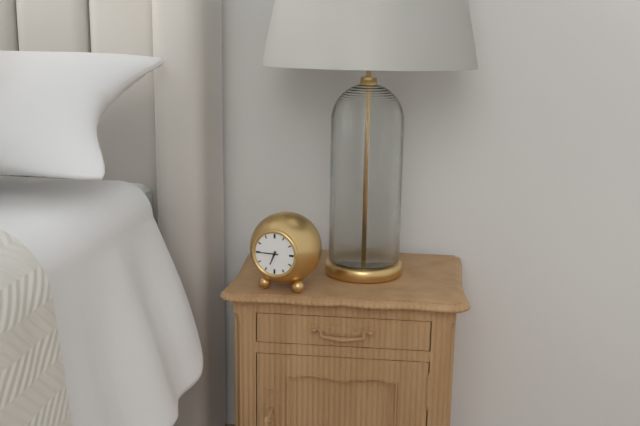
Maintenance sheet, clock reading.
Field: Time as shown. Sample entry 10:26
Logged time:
6:45
